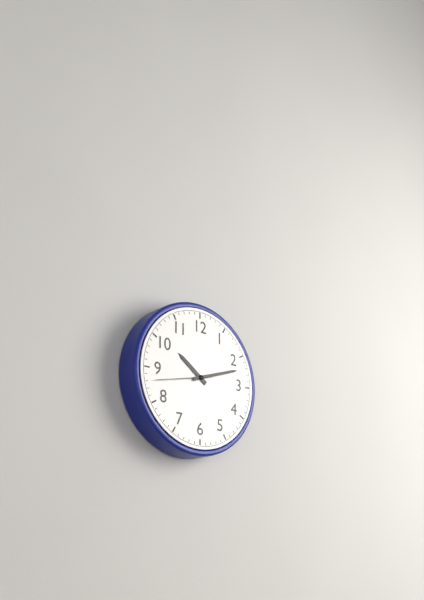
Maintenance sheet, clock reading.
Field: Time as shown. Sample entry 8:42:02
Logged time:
10:12:43
